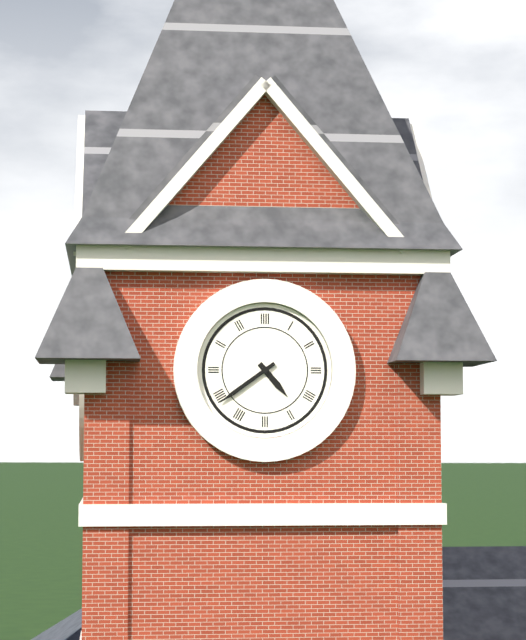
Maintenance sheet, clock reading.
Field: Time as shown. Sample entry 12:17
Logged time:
4:39
